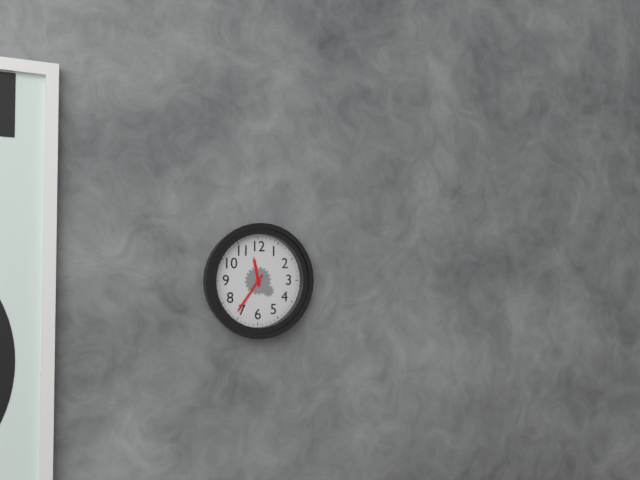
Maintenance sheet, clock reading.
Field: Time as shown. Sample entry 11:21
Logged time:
11:36
